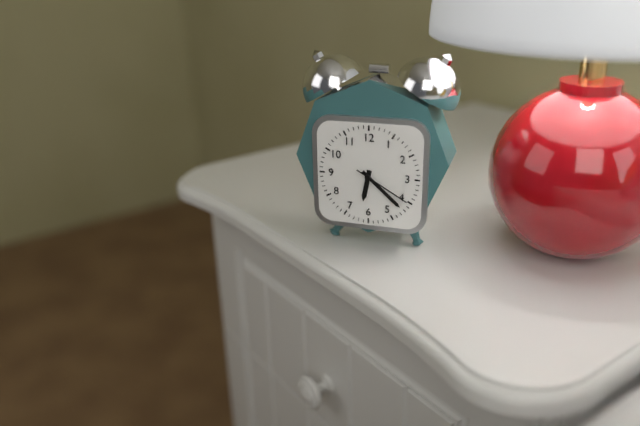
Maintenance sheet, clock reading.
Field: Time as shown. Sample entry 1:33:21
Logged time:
6:22:20
